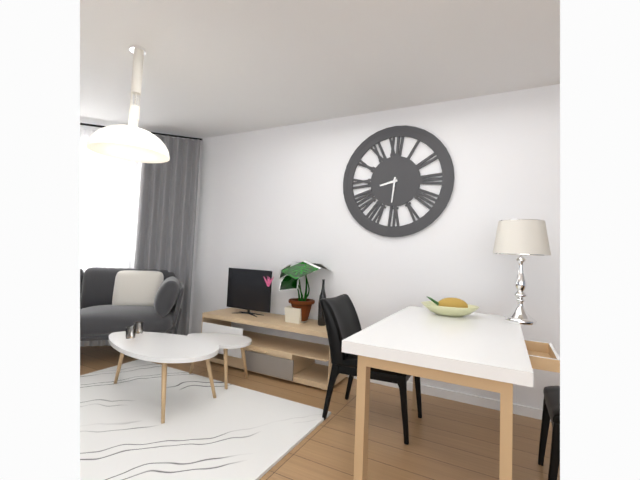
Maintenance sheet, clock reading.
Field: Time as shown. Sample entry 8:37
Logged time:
8:31
